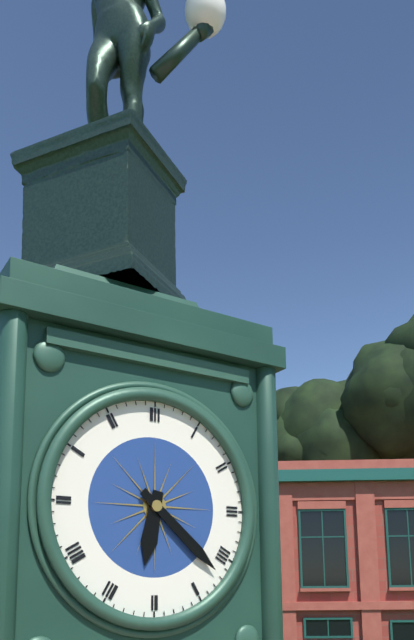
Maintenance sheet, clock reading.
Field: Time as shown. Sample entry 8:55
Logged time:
6:22
